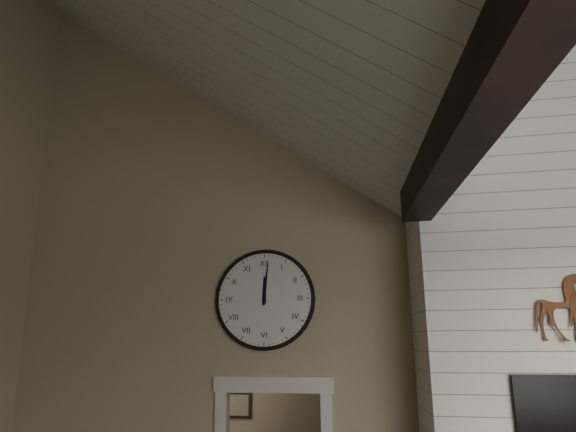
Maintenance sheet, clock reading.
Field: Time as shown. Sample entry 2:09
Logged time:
12:01
